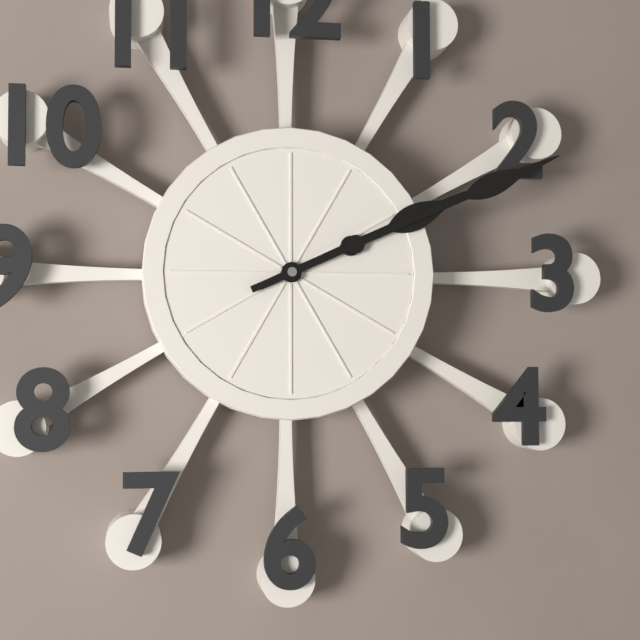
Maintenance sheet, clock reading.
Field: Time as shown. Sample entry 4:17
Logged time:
2:11
